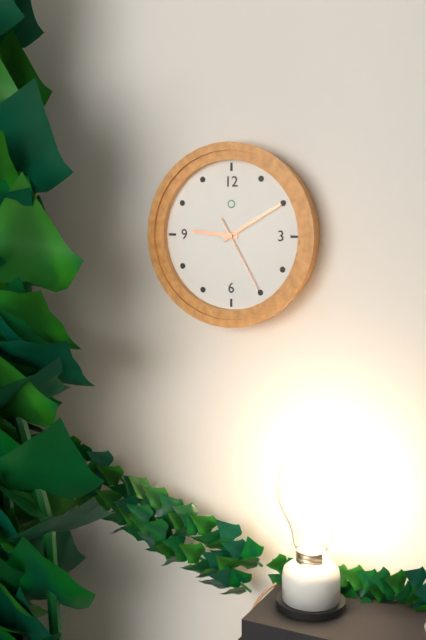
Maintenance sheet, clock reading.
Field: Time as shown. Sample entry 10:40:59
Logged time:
9:10:25
